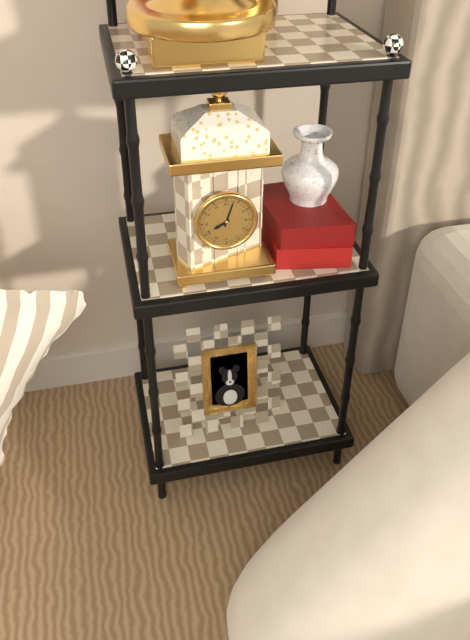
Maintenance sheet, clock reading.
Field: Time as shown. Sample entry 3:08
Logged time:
8:03
